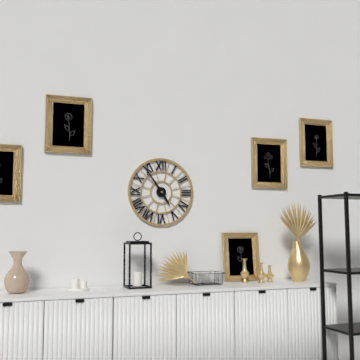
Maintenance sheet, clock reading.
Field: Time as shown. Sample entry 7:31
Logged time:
4:54
